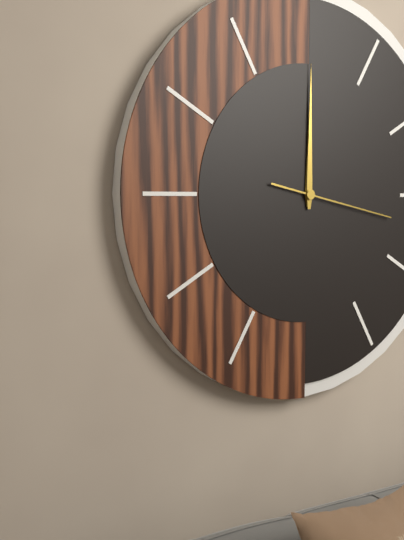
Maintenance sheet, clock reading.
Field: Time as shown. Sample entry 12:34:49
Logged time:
12:00:17
